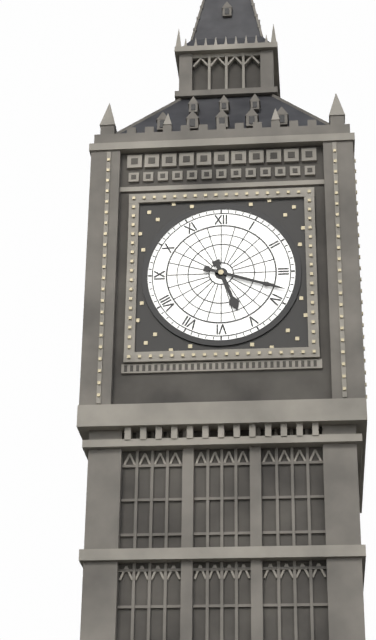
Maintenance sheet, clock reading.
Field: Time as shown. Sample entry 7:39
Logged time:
5:18
